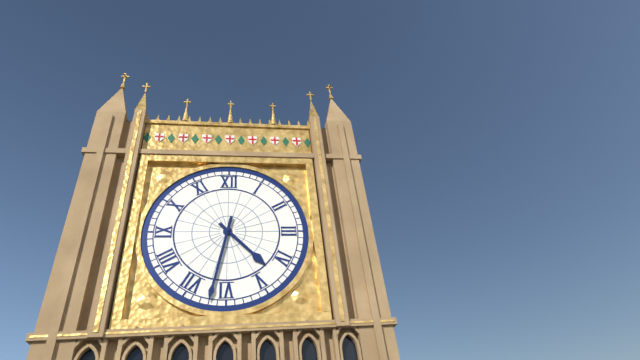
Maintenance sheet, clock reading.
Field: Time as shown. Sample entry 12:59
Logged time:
4:32
